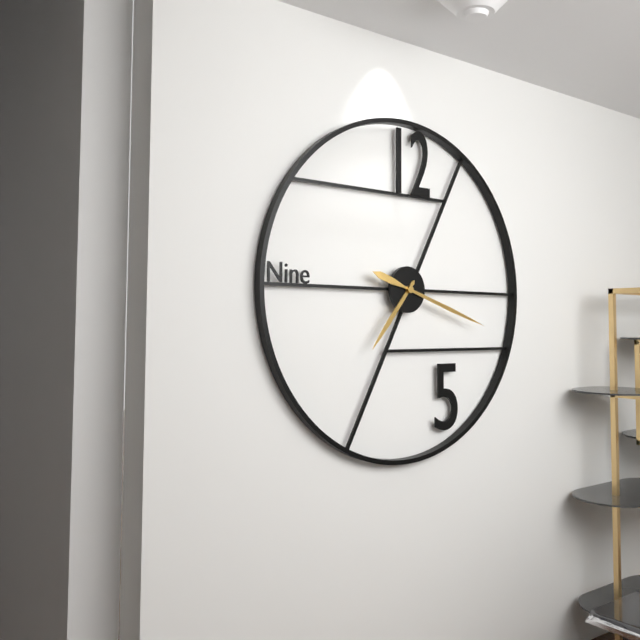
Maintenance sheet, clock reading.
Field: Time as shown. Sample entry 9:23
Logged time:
7:18
